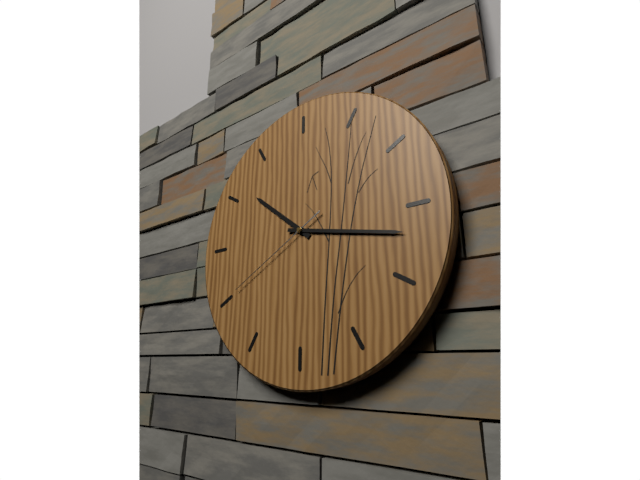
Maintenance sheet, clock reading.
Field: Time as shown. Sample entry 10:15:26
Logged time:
10:17:40
